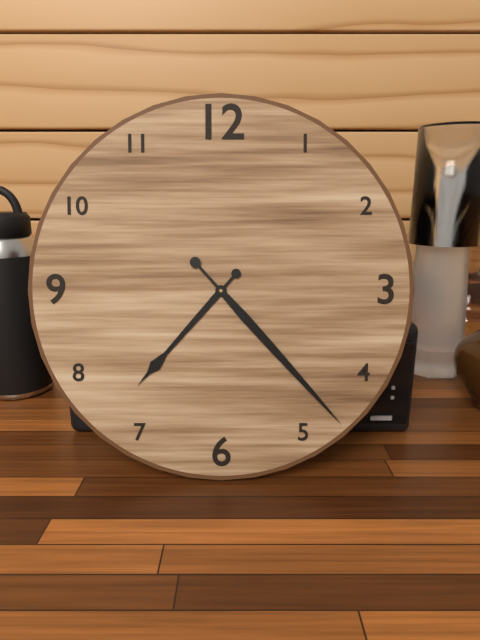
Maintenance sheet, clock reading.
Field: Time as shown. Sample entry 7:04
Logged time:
7:23
